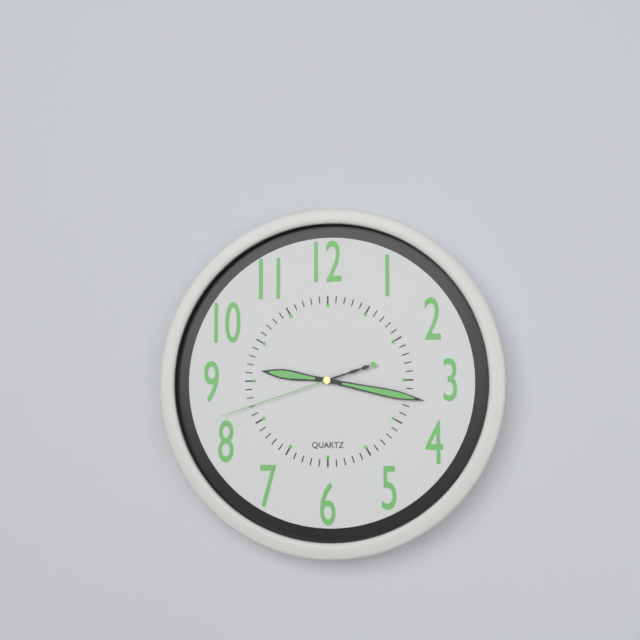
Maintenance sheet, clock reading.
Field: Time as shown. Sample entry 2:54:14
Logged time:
9:17:42
